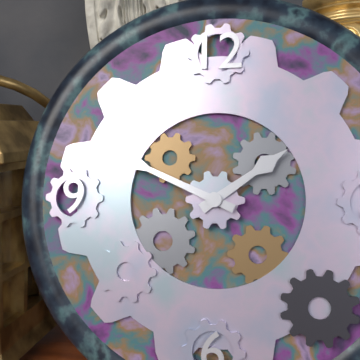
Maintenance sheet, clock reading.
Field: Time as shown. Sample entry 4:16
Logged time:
1:49
